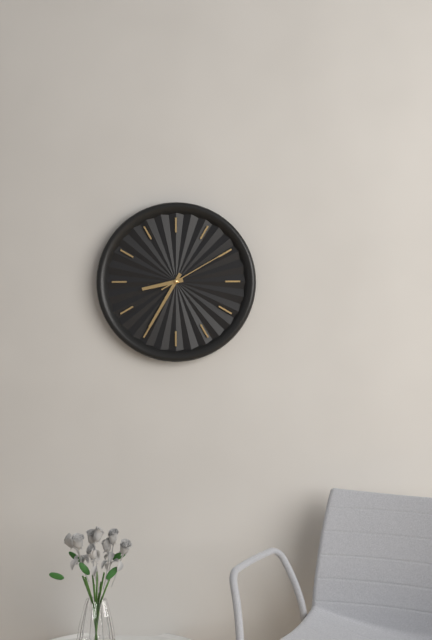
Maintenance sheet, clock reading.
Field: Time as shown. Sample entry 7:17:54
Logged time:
8:35:10
